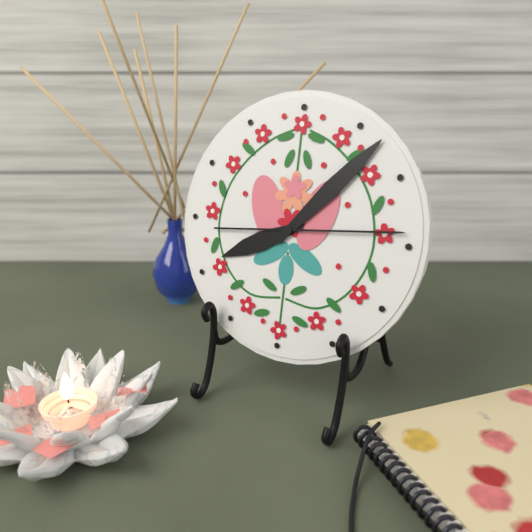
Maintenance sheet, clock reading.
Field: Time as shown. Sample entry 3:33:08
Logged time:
8:07:14
